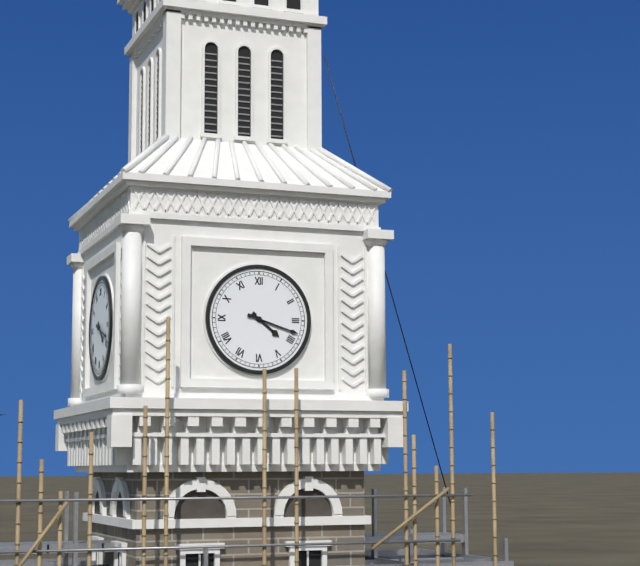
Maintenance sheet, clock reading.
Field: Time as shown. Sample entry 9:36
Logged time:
4:18
